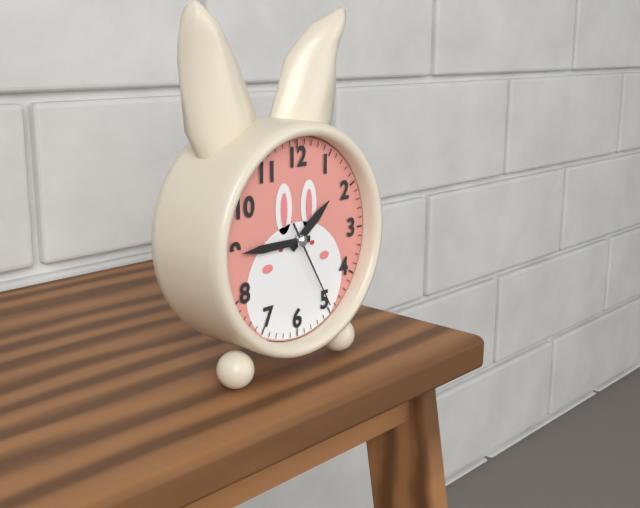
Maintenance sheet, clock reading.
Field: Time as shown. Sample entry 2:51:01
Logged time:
1:45:25
